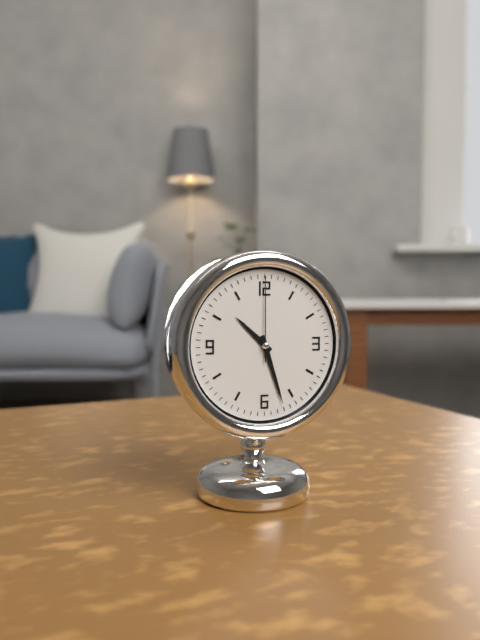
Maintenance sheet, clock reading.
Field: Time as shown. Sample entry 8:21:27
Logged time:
10:27:00
